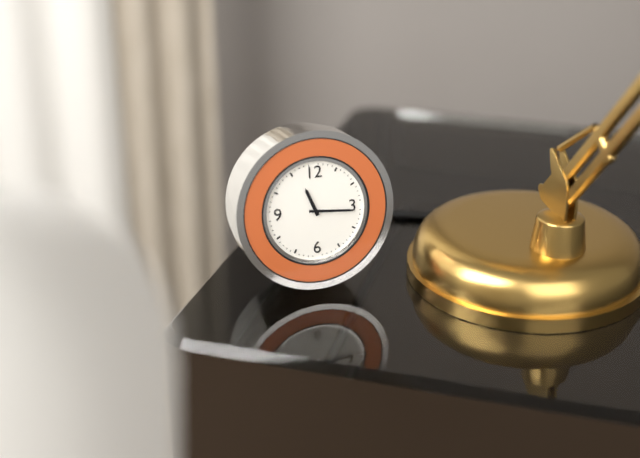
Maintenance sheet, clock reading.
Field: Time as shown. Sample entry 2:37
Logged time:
11:16
